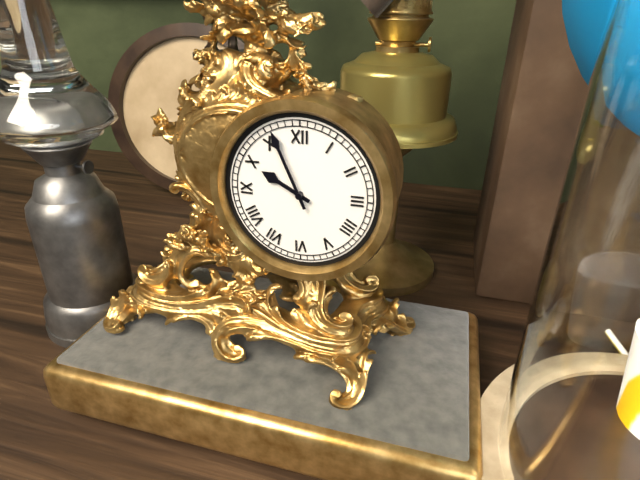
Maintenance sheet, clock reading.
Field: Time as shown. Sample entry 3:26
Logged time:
9:56
